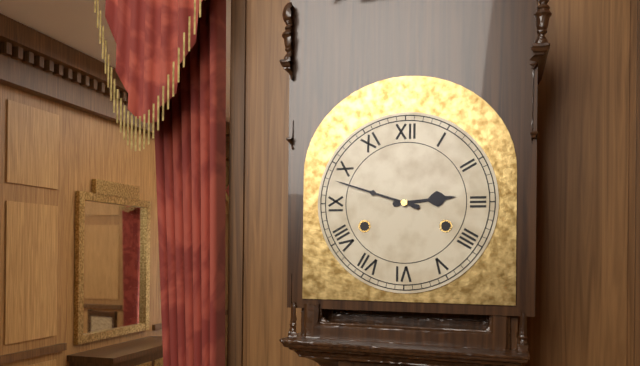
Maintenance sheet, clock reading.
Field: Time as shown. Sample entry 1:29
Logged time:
2:48
